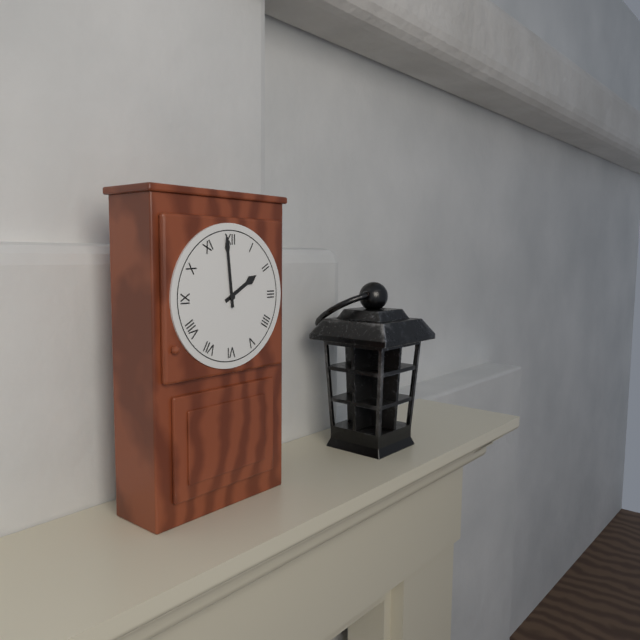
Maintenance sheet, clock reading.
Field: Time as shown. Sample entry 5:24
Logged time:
1:59
